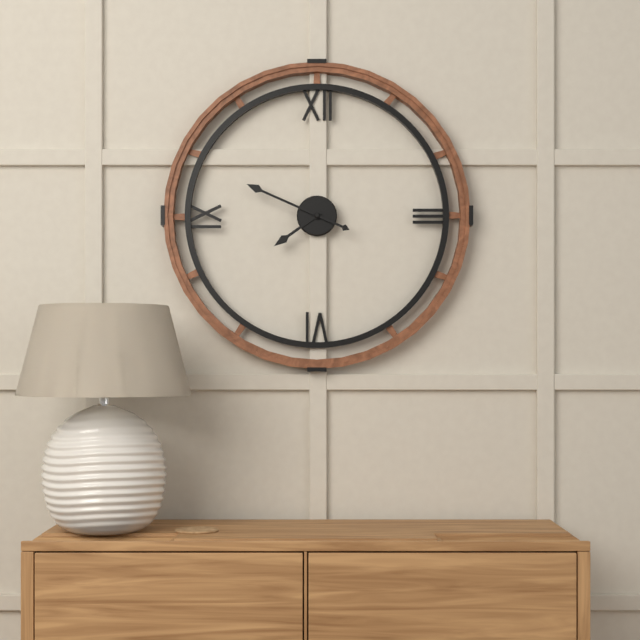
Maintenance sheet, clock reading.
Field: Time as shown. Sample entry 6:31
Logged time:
7:49
